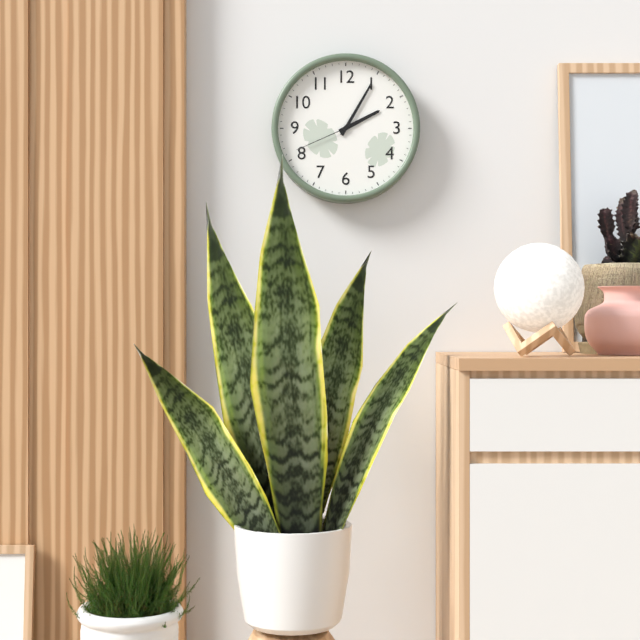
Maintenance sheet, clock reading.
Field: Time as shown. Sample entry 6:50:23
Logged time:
2:05:41
